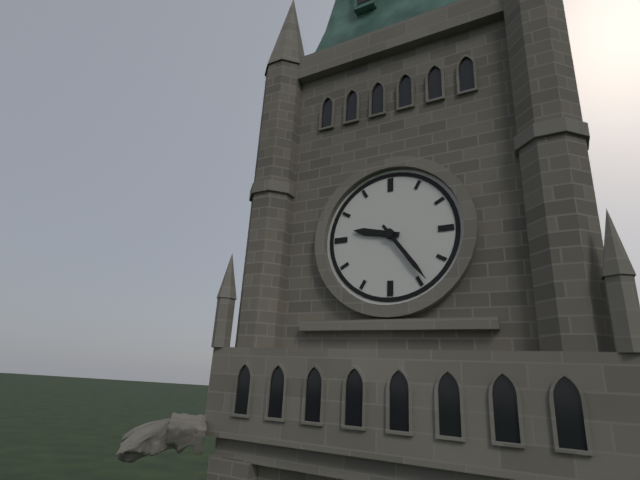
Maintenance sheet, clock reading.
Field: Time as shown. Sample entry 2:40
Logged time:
9:24
